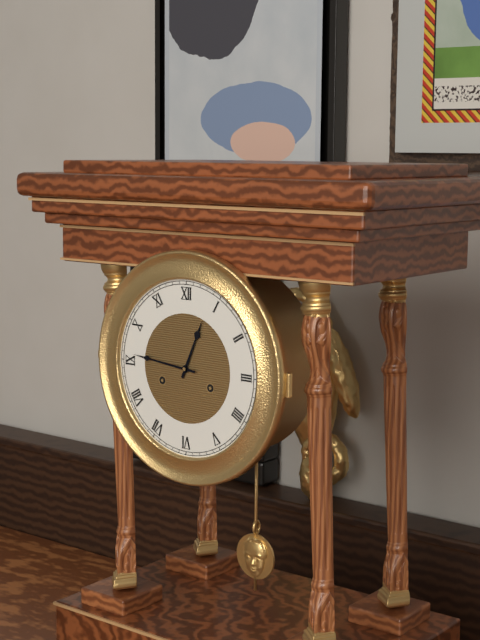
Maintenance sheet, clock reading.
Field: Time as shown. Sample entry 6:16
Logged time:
12:46
